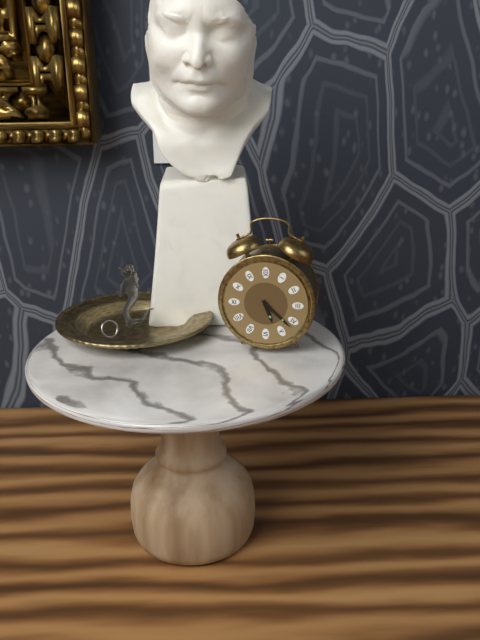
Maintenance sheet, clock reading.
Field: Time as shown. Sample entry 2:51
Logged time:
5:22
